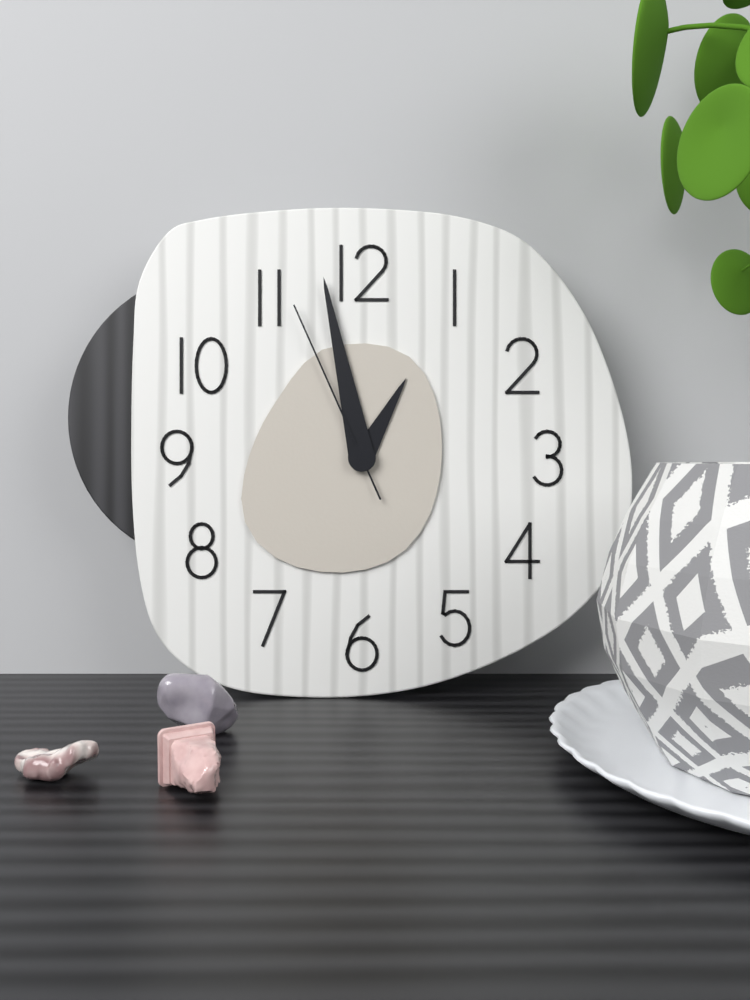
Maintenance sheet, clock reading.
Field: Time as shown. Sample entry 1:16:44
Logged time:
12:58:56
